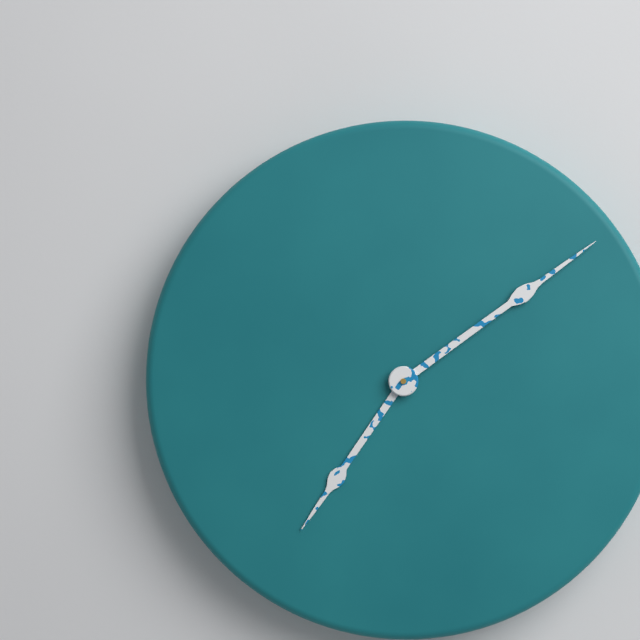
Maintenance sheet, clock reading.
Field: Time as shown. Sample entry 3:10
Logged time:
7:09
